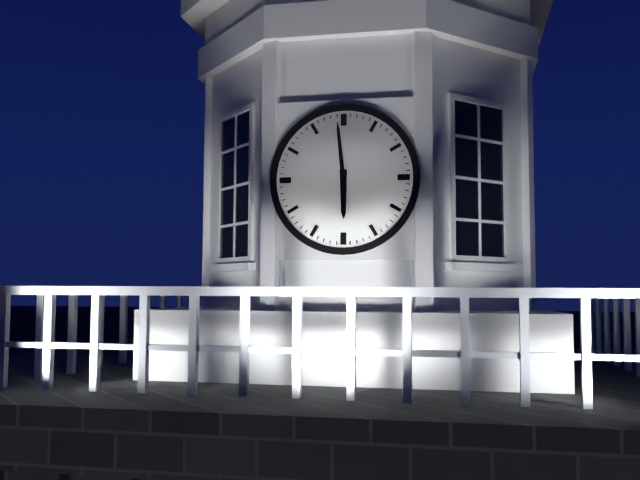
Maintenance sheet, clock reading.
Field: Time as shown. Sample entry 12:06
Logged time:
5:59
